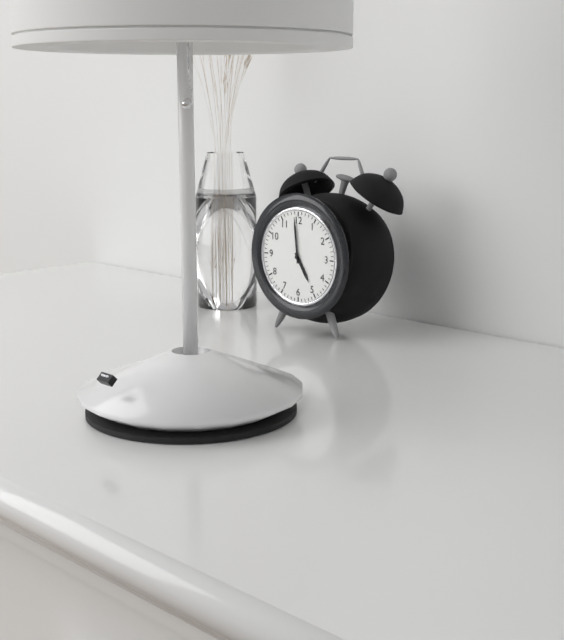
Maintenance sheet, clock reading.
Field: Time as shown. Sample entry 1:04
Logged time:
4:59
